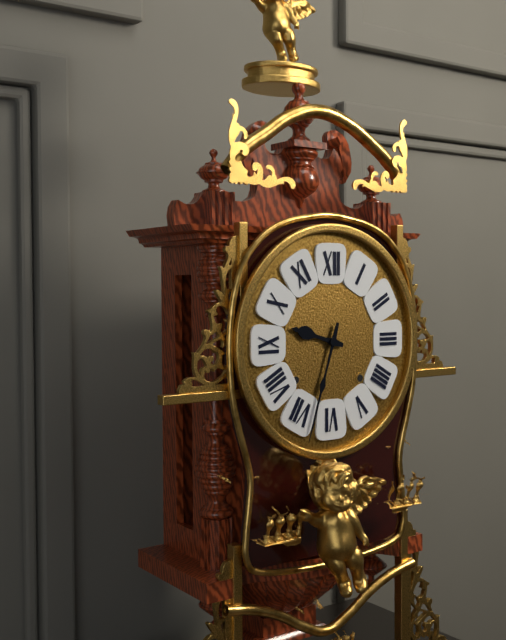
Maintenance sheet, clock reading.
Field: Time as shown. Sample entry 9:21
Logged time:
9:33
